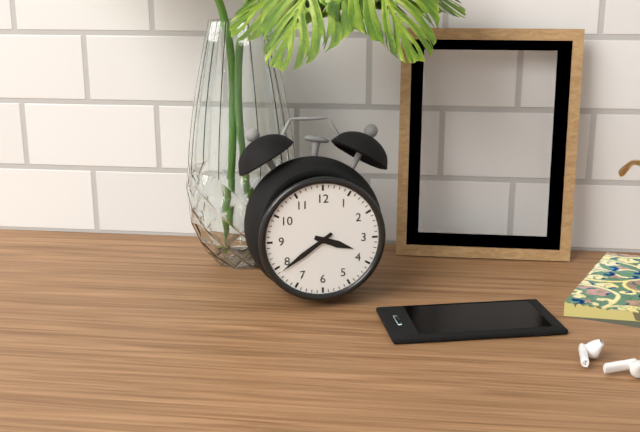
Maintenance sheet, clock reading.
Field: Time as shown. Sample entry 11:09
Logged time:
3:39
